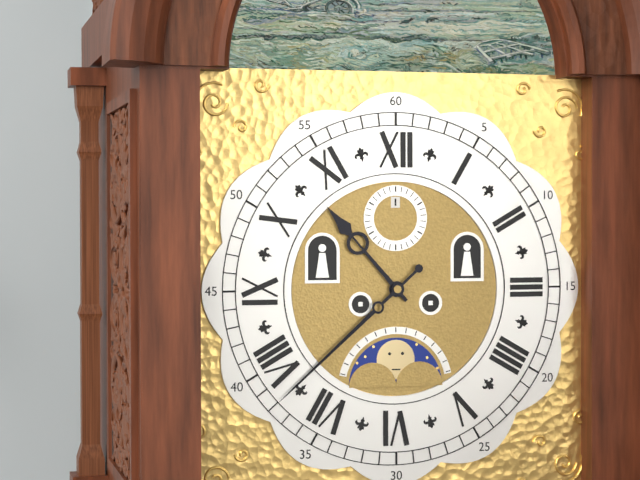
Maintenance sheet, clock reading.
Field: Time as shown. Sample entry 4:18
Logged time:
10:38
